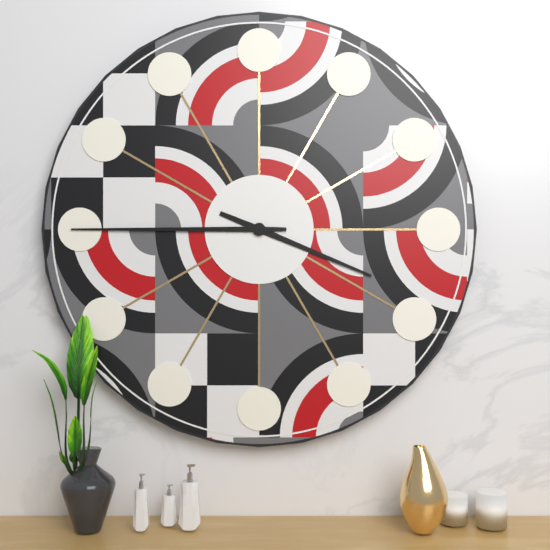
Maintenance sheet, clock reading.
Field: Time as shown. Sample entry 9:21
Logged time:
3:45
